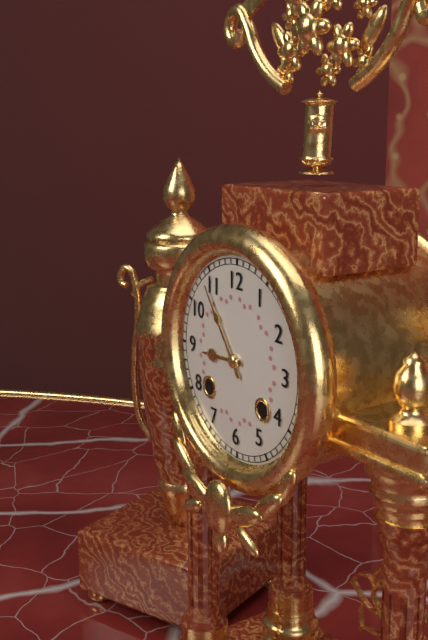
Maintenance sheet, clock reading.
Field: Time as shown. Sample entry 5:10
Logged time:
8:54
